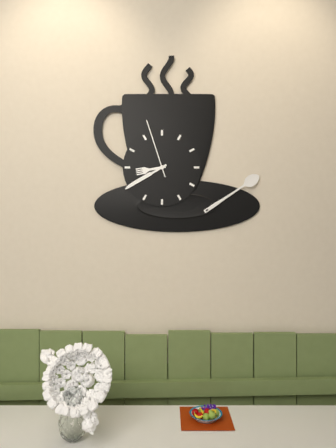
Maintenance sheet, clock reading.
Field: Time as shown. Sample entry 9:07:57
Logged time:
8:40:57
